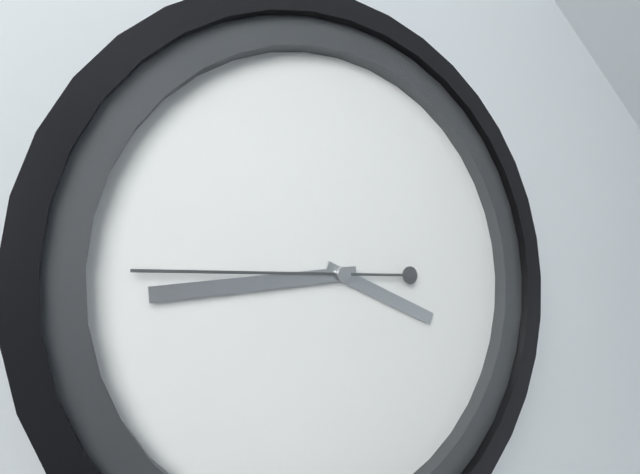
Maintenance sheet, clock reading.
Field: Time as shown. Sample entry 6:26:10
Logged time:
3:44:45
